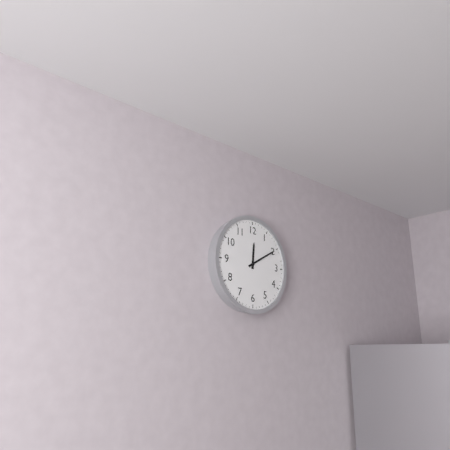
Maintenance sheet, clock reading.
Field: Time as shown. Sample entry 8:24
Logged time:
12:10
